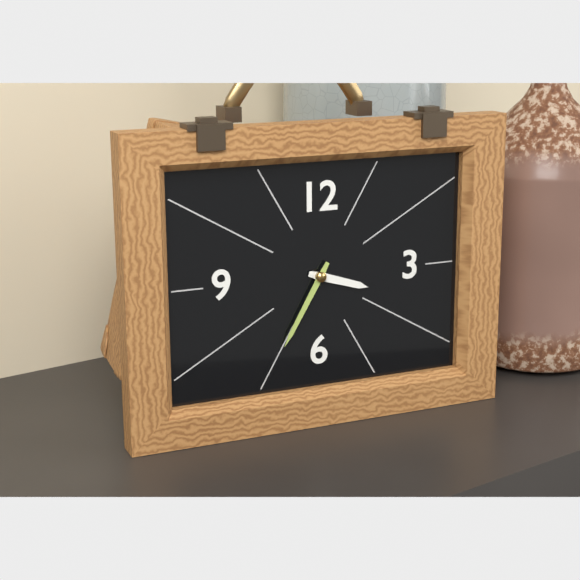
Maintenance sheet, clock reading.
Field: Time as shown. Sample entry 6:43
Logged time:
3:35
